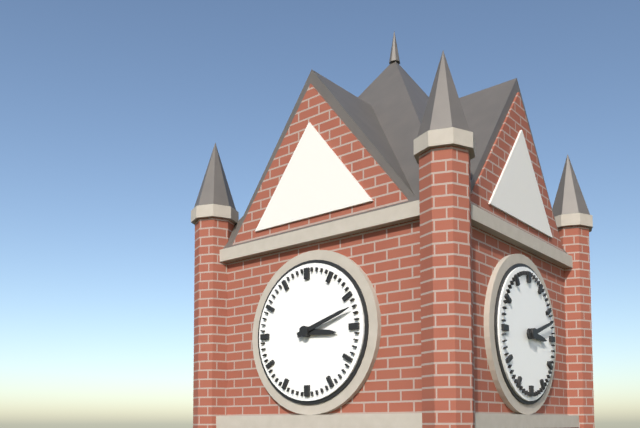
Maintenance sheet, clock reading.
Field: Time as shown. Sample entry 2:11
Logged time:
3:12
